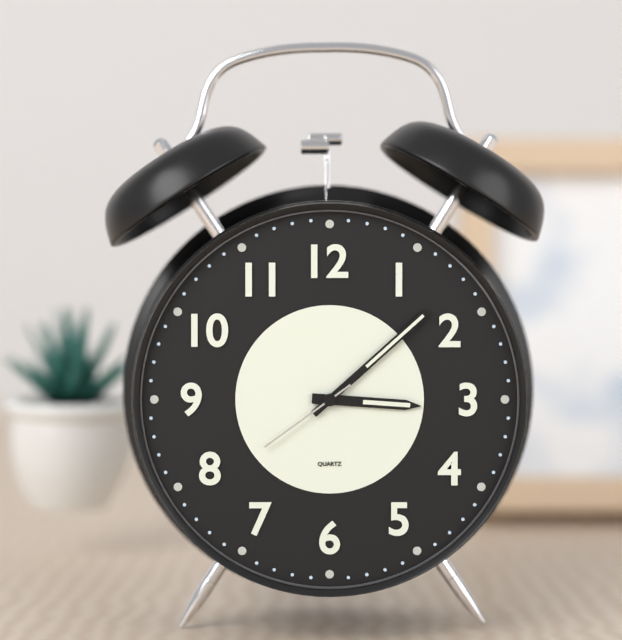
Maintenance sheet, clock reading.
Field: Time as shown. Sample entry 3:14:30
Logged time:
3:08:39
